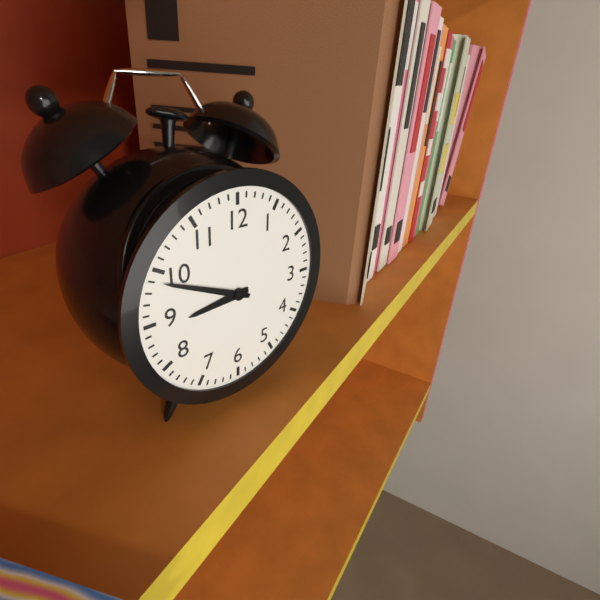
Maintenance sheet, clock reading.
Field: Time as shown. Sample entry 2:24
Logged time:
8:49
